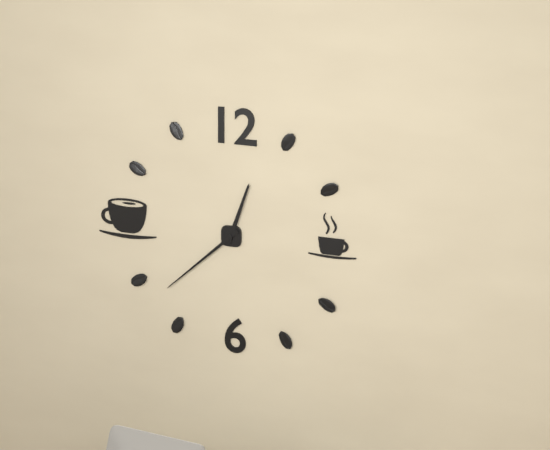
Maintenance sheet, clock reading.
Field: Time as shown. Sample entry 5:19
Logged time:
12:38
